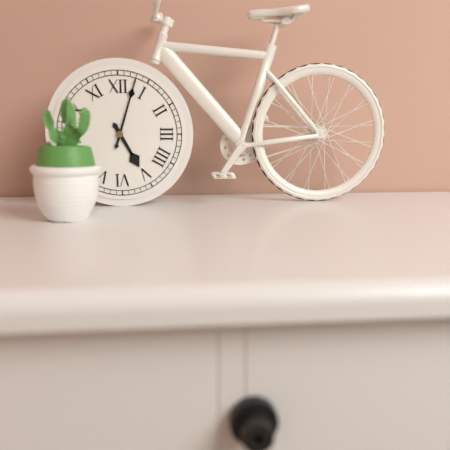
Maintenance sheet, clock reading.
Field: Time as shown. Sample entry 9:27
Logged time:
5:03
